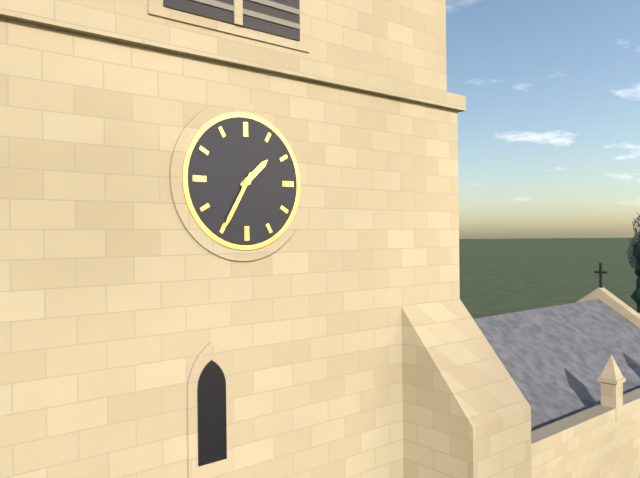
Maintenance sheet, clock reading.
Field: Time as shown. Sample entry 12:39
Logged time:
1:35
